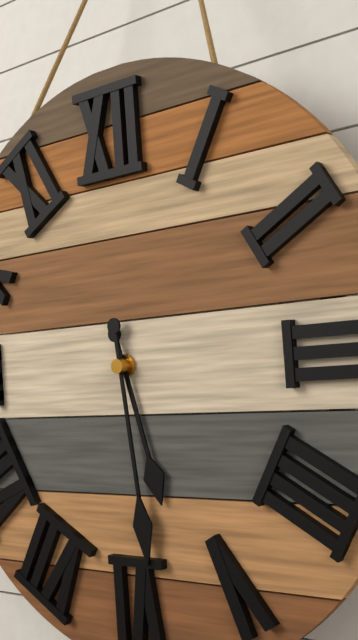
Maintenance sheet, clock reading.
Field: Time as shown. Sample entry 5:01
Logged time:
5:29
